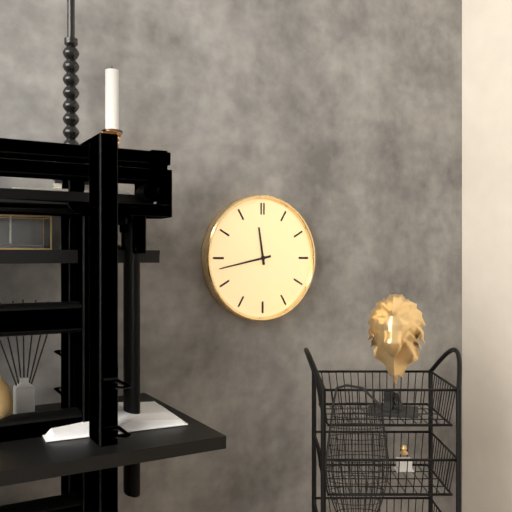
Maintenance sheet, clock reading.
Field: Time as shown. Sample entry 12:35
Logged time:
11:43
